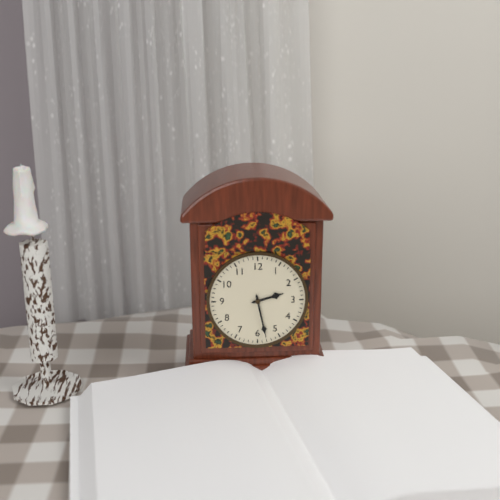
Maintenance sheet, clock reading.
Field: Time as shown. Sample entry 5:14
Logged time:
2:28
